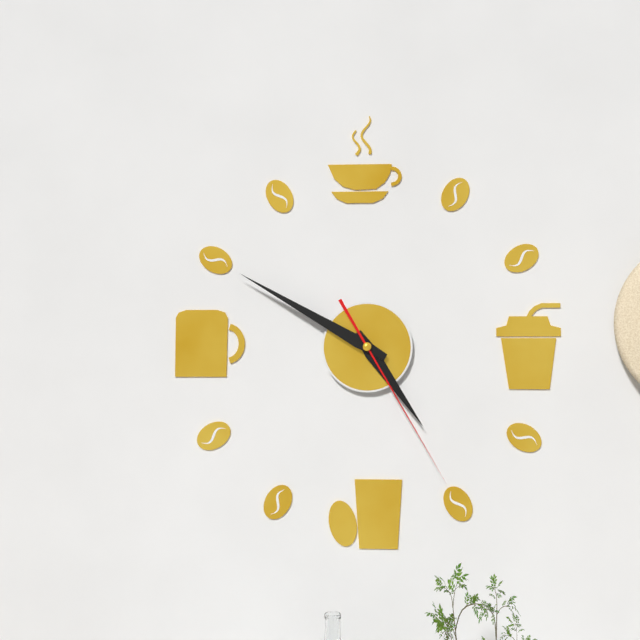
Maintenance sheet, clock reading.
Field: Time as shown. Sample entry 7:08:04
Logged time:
4:50:25
